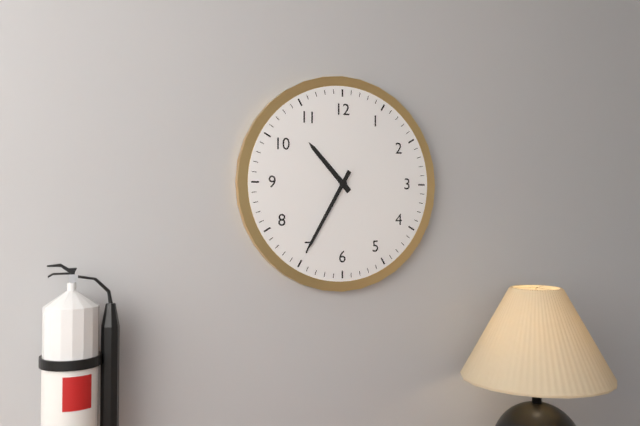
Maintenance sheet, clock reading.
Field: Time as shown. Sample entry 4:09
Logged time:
10:35
